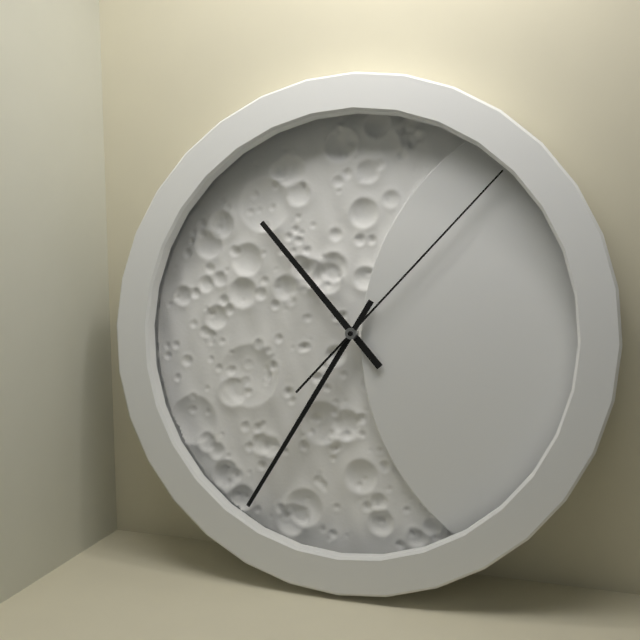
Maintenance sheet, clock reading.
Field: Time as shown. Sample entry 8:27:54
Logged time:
10:35:07
